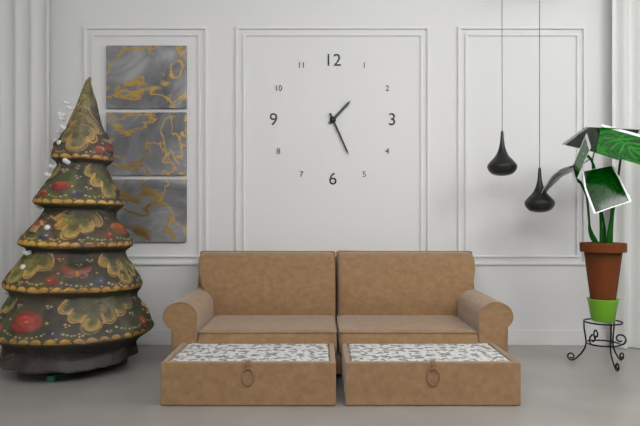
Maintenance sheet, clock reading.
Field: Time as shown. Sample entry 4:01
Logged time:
1:26
